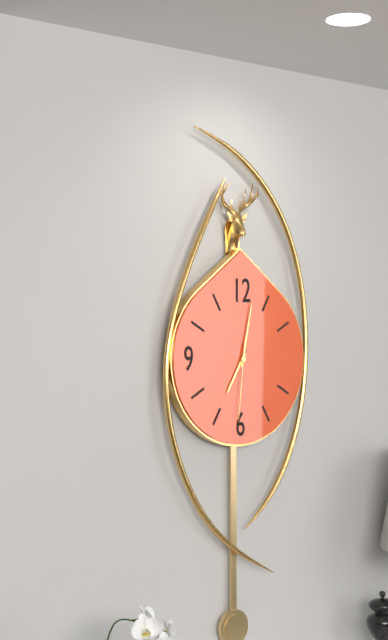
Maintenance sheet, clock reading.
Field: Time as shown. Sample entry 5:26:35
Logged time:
7:02:31
